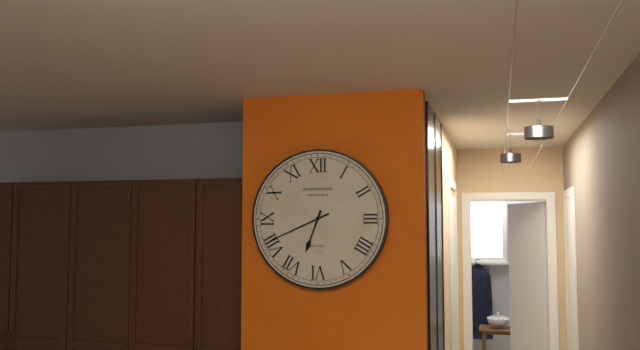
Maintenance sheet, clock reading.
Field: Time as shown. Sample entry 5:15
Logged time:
6:41
